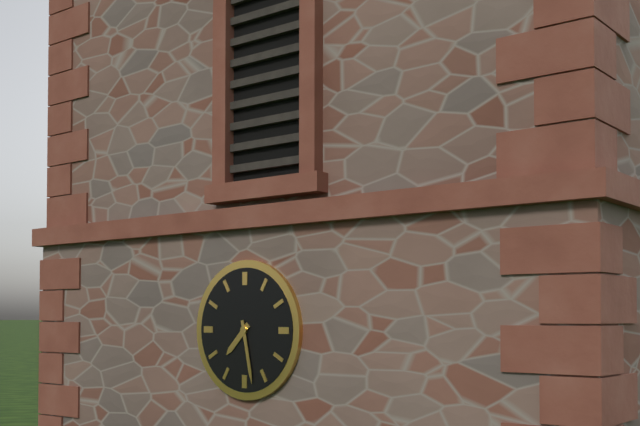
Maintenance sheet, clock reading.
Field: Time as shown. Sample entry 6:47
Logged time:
7:28
